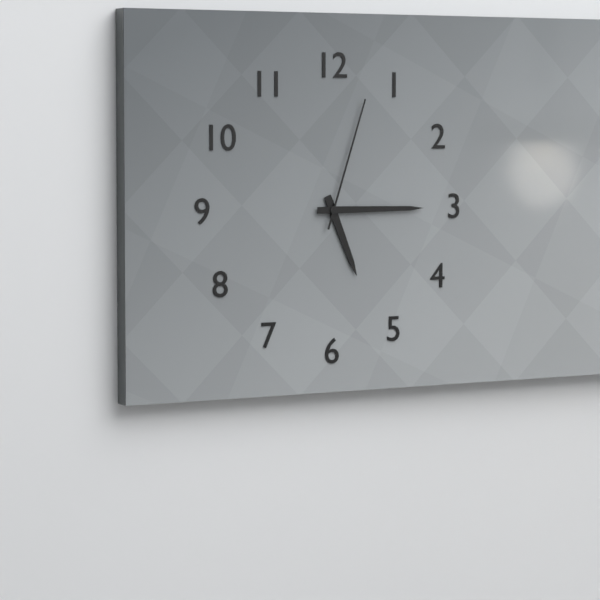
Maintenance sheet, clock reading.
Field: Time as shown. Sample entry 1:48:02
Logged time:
5:15:03
